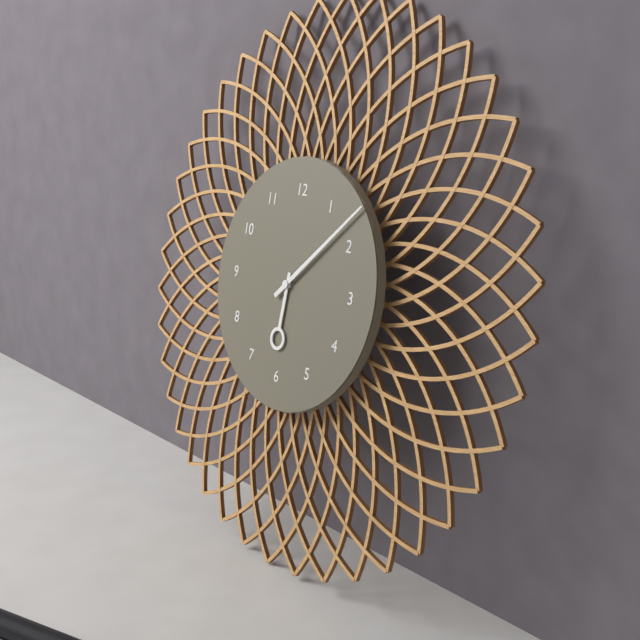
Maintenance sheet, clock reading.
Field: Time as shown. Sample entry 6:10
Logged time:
6:08
